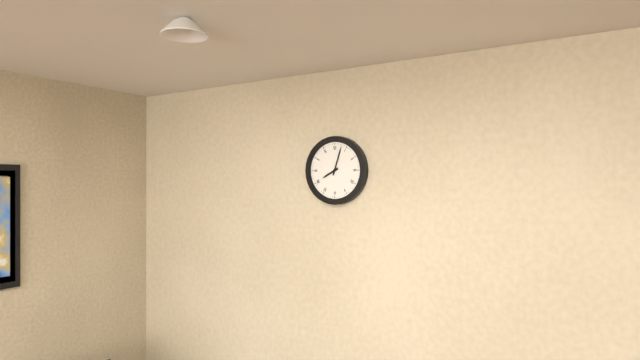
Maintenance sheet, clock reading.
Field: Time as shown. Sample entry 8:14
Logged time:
8:03
